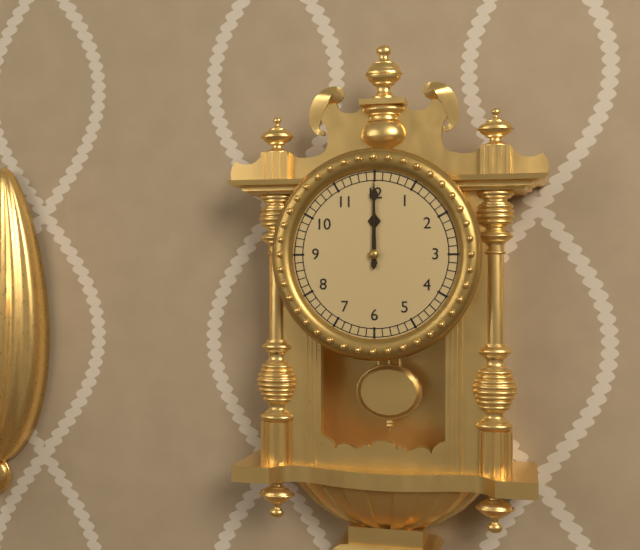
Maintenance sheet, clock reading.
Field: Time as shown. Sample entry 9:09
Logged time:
12:00
